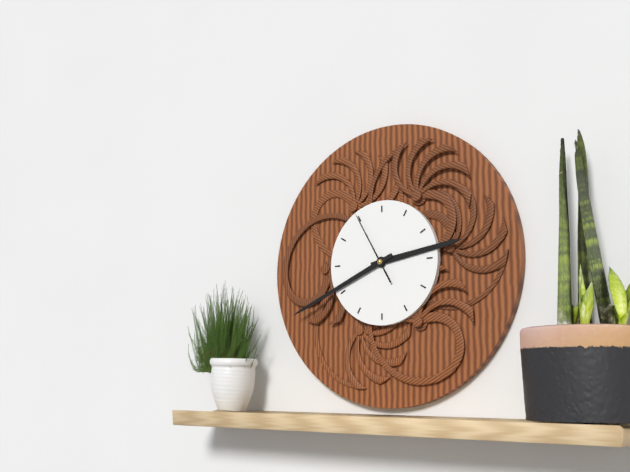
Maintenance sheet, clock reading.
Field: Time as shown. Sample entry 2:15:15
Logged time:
2:41:55
